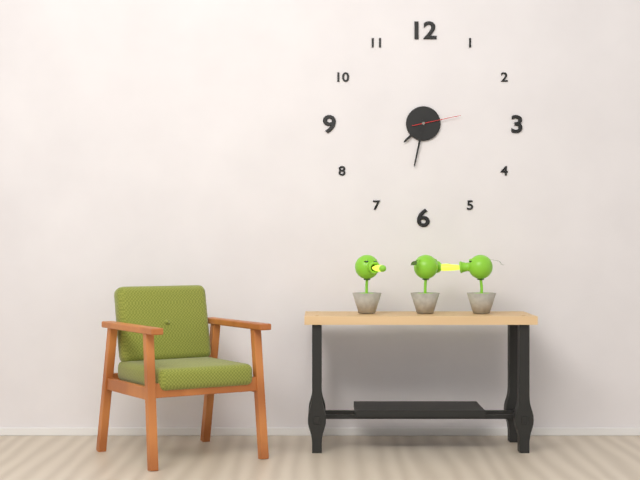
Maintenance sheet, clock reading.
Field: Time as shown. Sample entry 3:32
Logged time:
7:32
